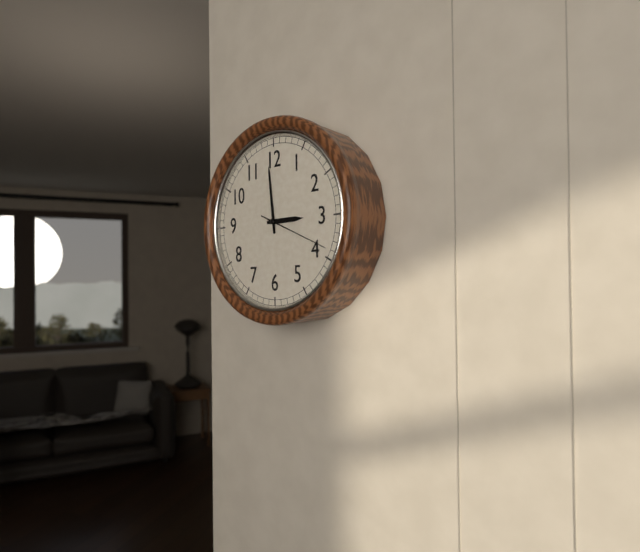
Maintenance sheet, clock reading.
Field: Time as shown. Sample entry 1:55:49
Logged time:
2:59:19
